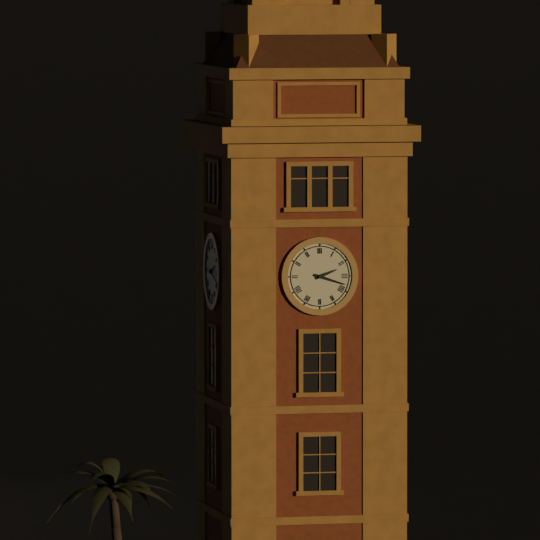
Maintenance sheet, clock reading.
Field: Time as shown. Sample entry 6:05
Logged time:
2:18
